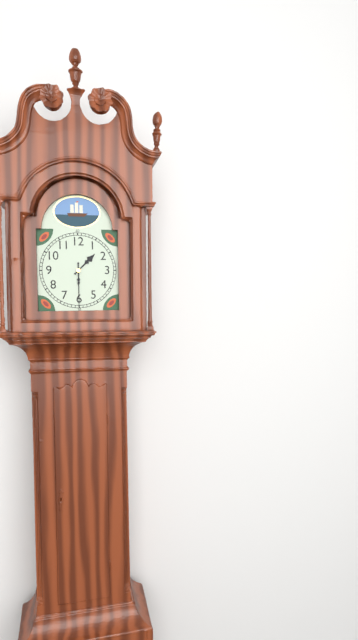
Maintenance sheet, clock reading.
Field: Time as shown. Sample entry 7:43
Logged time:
1:30
